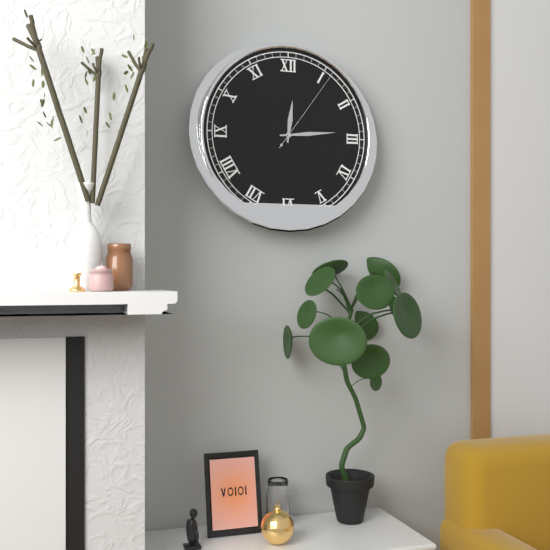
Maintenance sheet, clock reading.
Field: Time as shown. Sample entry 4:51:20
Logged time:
12:14:06
